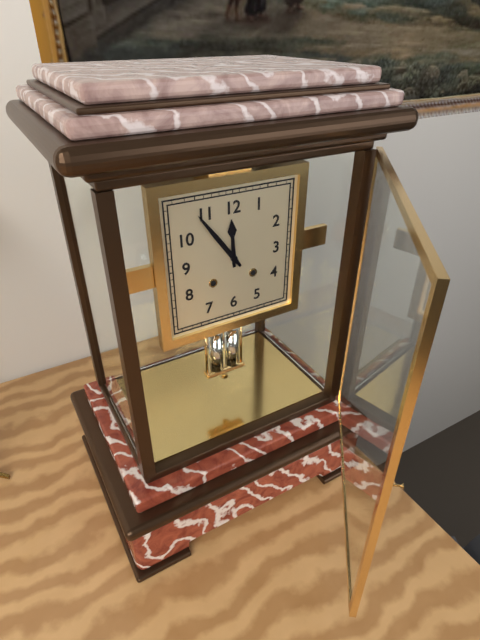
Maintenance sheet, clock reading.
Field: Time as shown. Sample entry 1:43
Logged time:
11:54
